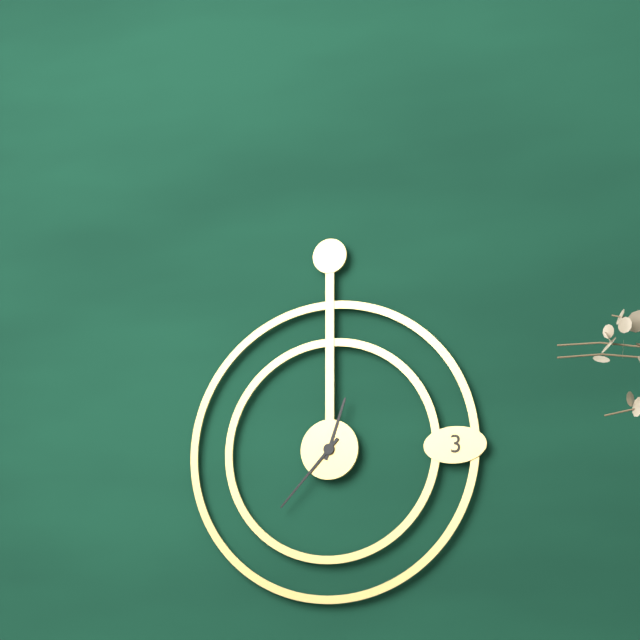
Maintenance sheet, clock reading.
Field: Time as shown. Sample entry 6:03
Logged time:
12:37
